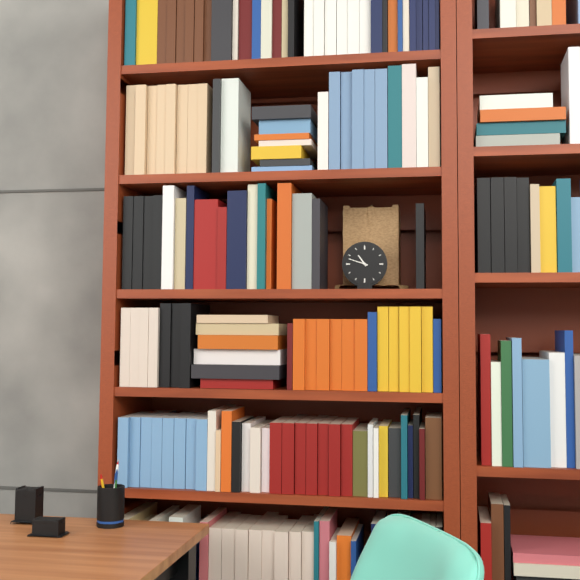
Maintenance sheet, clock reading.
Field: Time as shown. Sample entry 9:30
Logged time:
10:48
